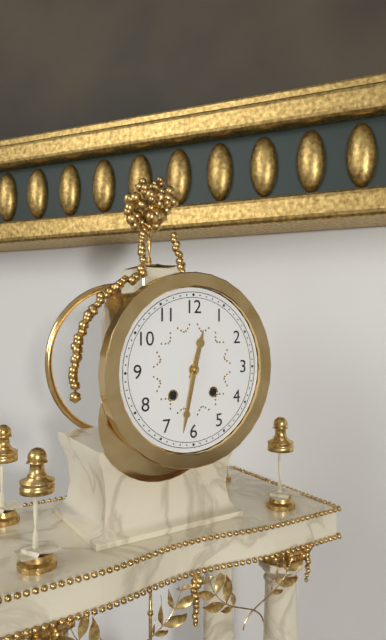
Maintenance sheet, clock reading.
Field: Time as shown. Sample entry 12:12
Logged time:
12:32
